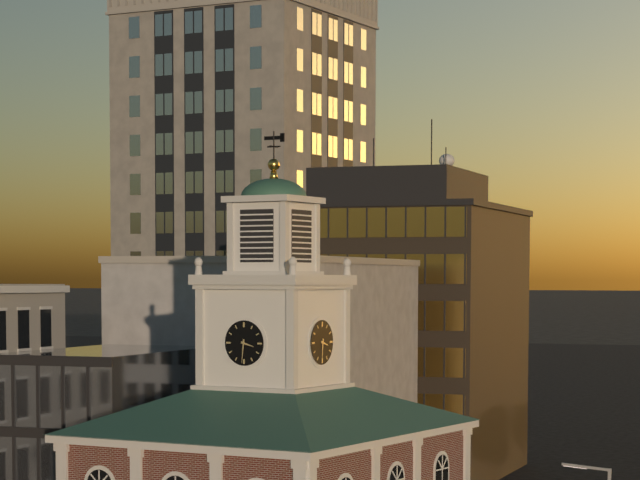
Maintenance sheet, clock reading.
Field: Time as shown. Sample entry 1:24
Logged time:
3:31
